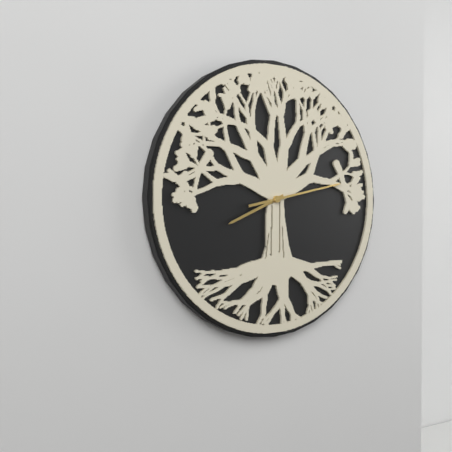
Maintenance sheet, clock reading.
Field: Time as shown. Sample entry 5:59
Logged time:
8:13
